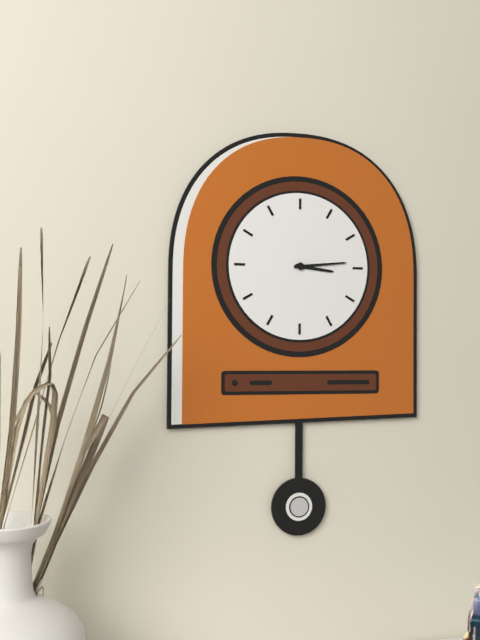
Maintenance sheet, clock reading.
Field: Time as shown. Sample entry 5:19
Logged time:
3:14
